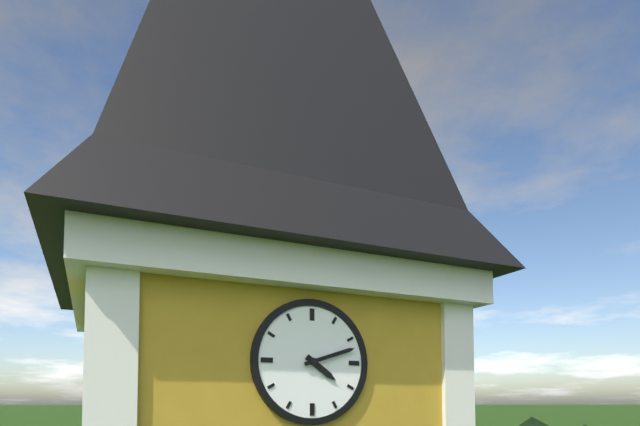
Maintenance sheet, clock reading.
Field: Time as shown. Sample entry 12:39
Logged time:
4:12
